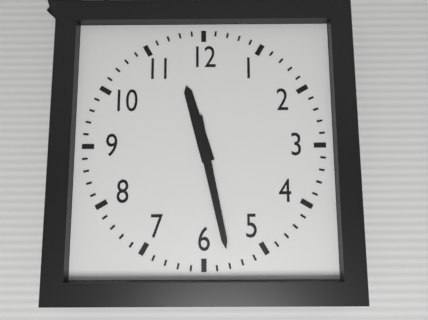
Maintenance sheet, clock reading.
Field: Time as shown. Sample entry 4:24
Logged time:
11:28
